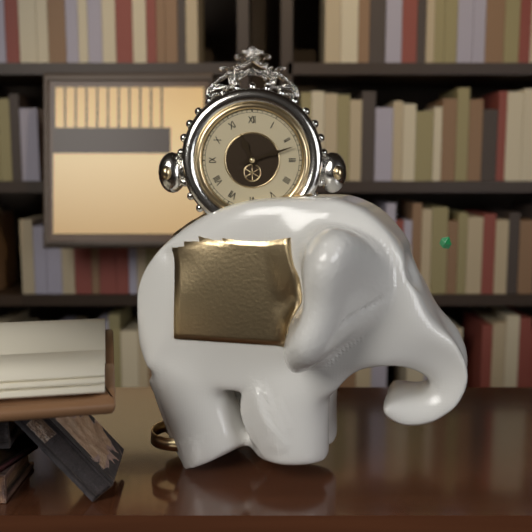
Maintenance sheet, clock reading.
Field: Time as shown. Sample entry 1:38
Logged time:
11:12
